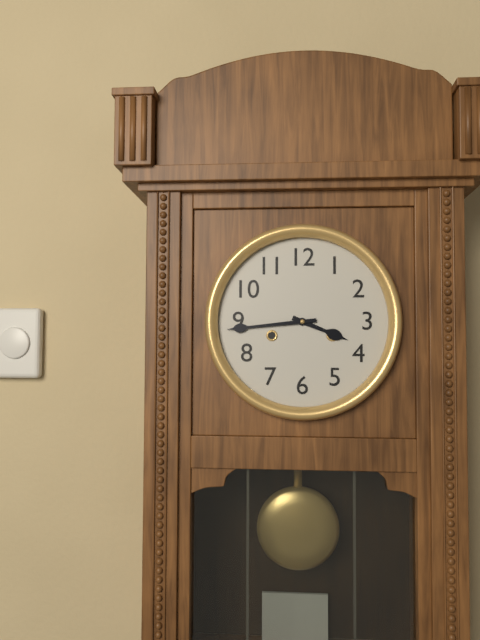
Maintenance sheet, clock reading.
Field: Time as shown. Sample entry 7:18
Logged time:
3:44
